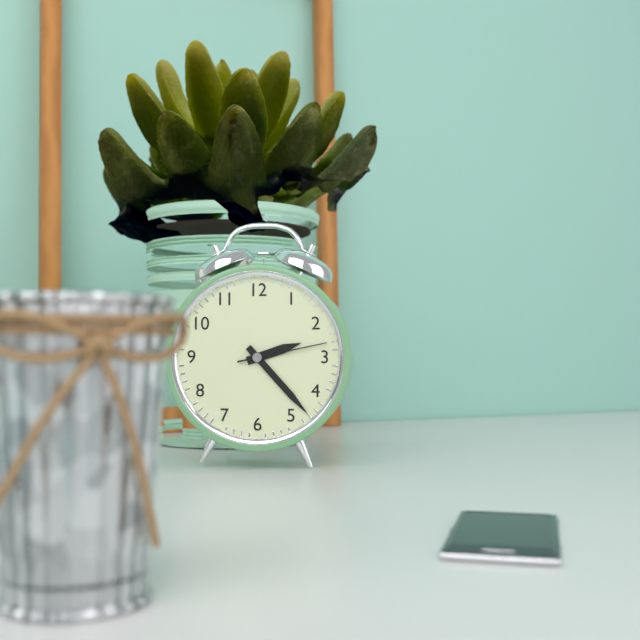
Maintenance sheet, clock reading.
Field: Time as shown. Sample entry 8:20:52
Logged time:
2:23:13
